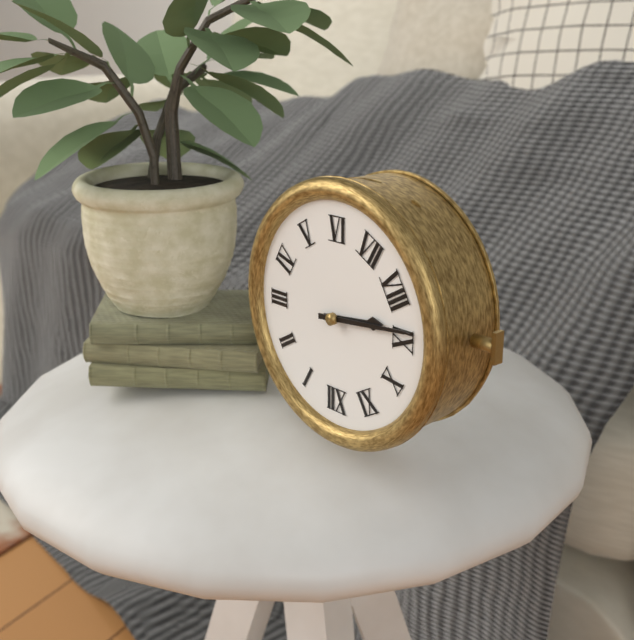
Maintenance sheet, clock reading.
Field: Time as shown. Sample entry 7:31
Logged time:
8:44
